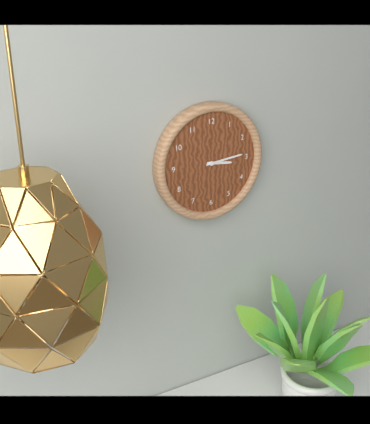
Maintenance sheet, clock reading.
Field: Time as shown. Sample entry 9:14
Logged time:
3:14
